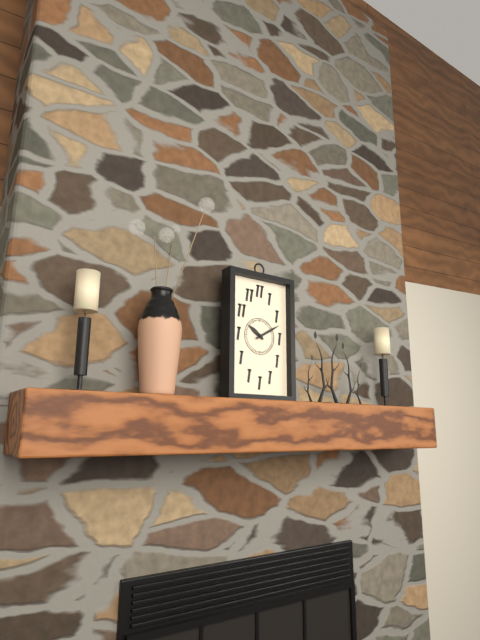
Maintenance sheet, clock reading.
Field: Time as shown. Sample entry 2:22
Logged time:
10:10
